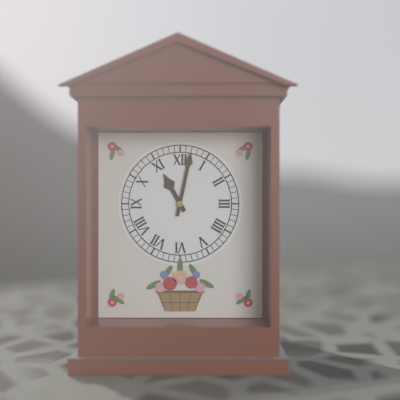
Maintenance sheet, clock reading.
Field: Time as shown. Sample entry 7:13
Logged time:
11:02
